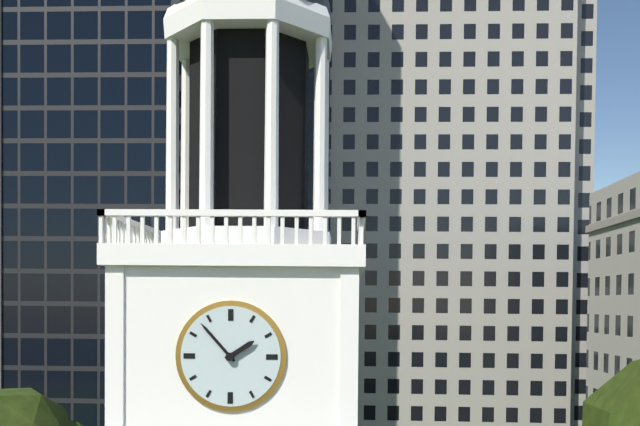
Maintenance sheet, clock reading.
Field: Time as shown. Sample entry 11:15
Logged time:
1:53
